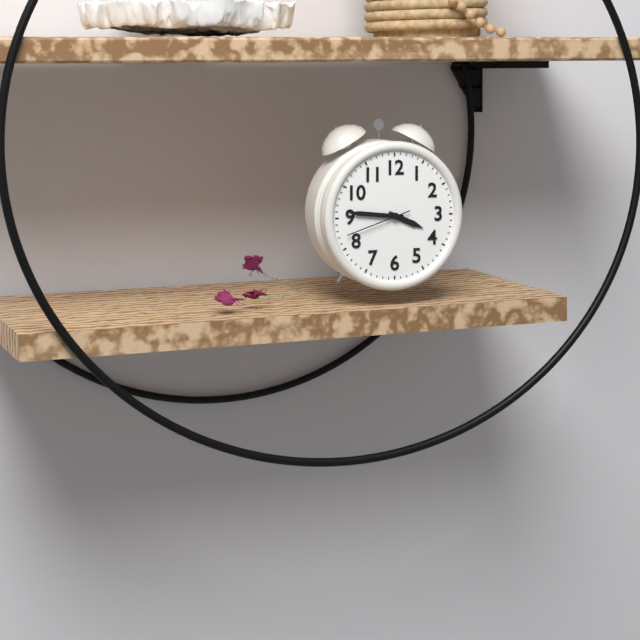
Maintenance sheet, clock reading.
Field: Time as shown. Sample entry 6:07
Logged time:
3:46
